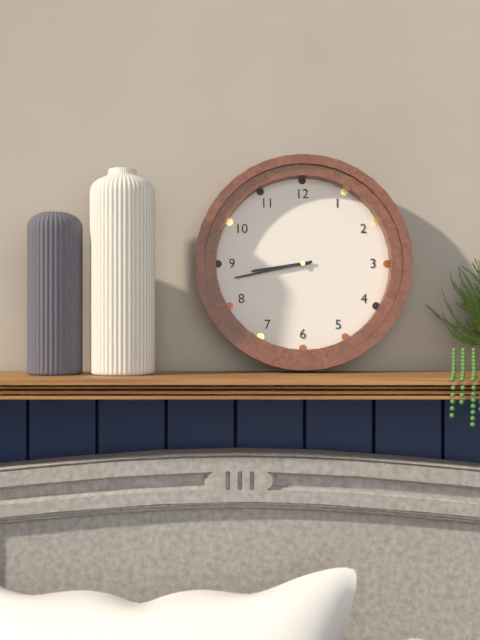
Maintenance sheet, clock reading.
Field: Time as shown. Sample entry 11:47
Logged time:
8:43
